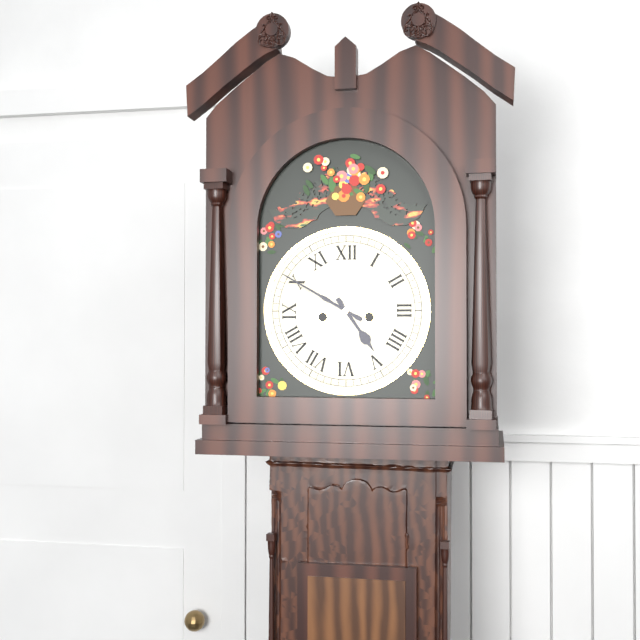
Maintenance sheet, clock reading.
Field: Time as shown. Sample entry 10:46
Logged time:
4:50
